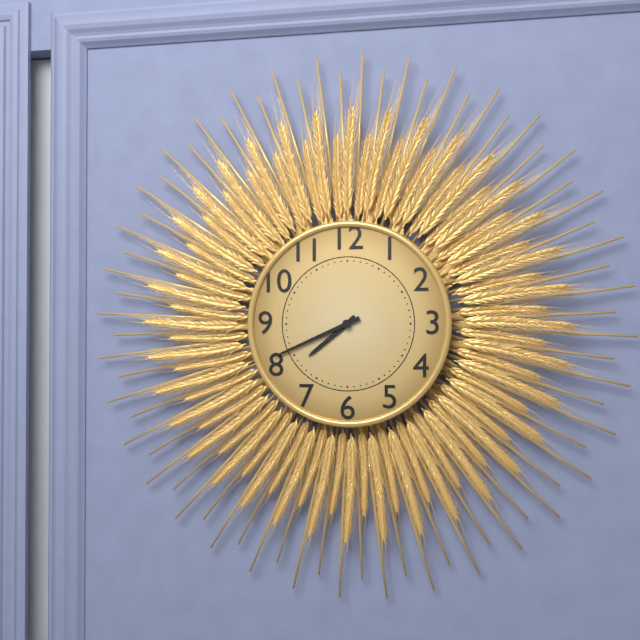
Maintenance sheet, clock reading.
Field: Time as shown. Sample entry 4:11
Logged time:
7:41
